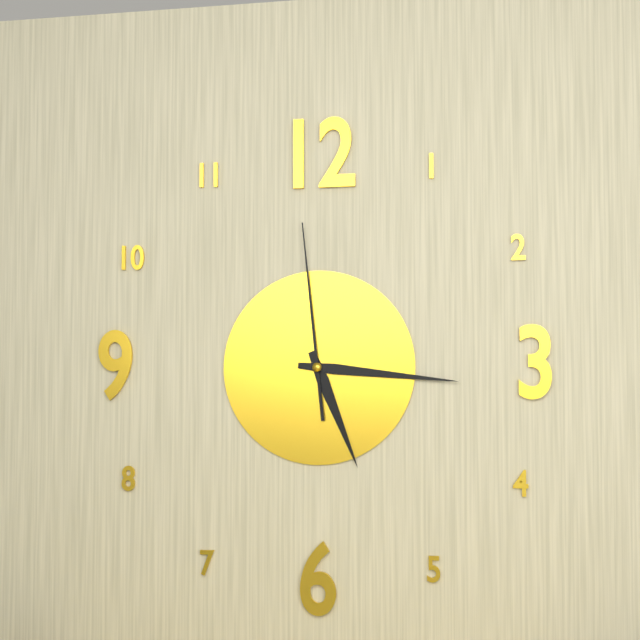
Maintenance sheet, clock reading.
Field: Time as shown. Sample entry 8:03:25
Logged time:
5:16:59
